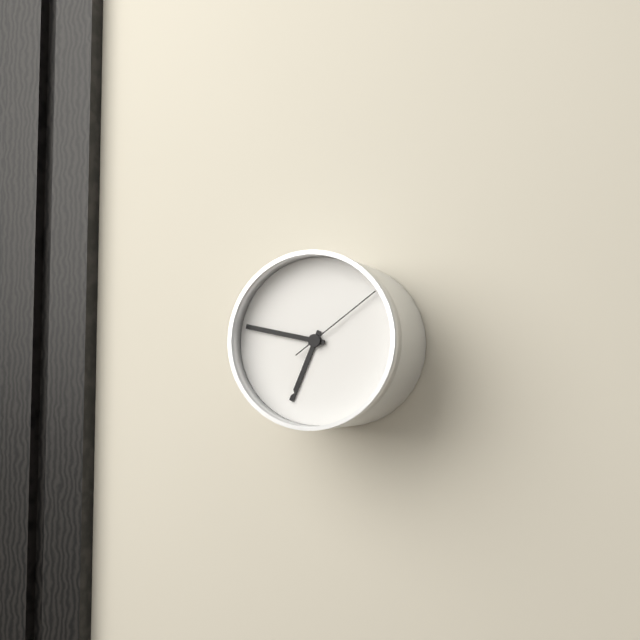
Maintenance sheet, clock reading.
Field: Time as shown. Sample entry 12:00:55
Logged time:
6:47:09
